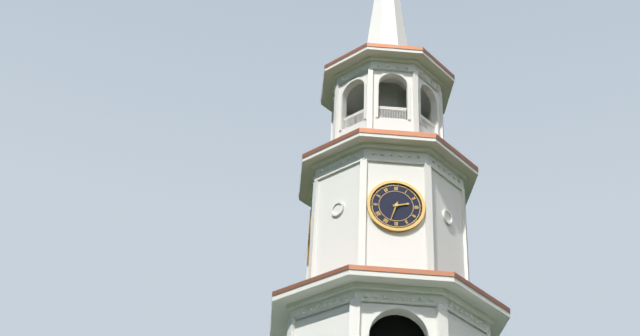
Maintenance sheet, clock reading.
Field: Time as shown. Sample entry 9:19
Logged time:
2:33
